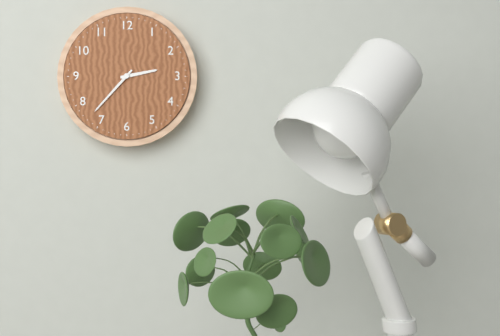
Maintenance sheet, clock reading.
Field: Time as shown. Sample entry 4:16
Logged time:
2:37
